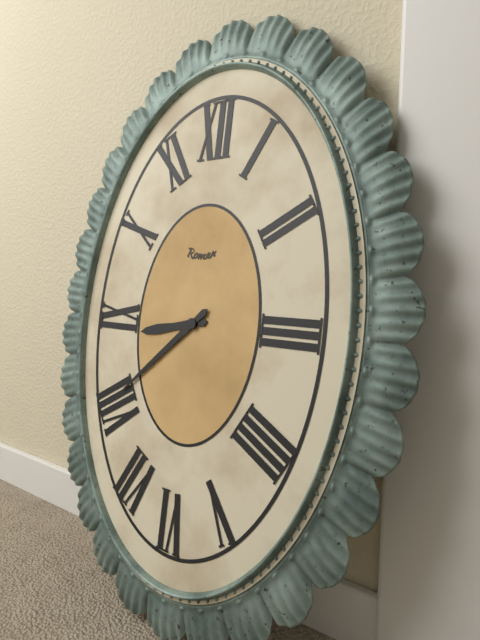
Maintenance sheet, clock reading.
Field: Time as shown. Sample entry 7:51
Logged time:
8:38
